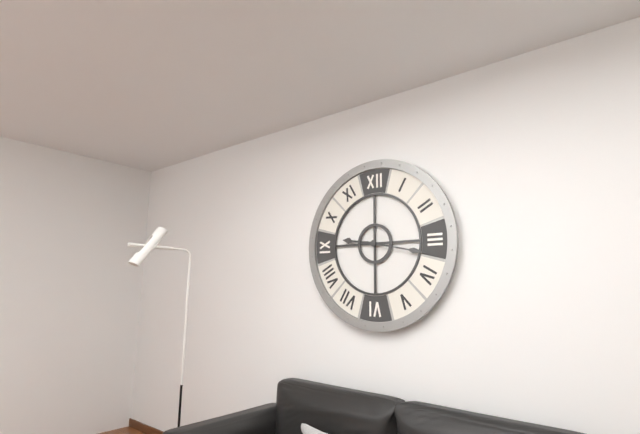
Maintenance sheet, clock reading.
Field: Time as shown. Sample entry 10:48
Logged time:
9:17
